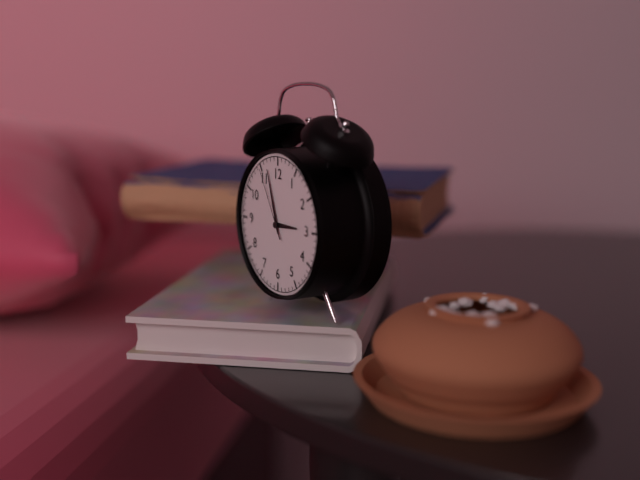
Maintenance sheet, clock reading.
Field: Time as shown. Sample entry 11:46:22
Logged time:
2:57:55
